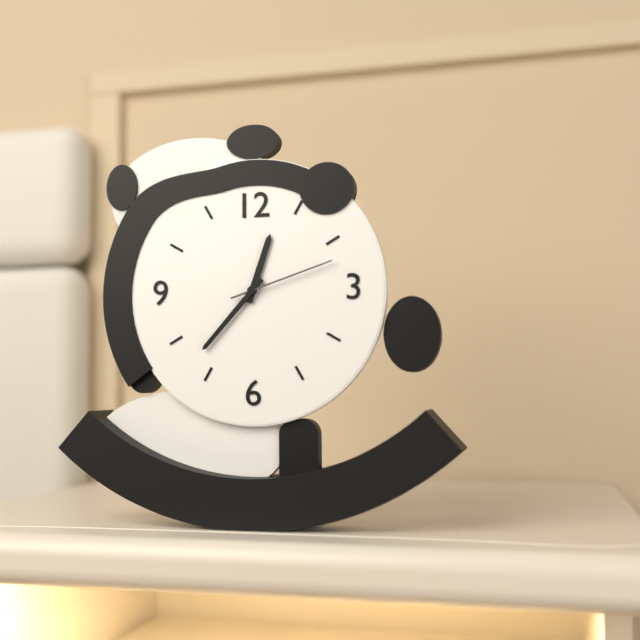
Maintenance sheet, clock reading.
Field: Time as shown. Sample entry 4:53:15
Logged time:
12:37:12
